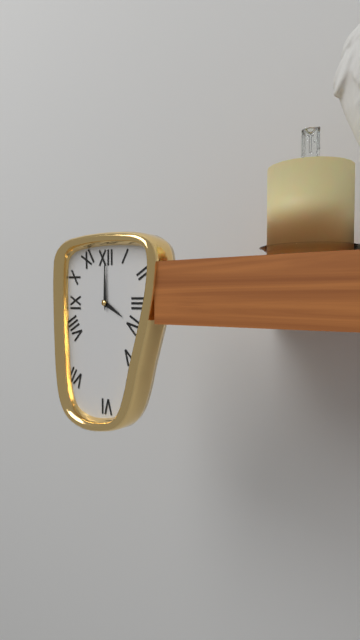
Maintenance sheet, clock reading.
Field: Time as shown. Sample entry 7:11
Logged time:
4:00
